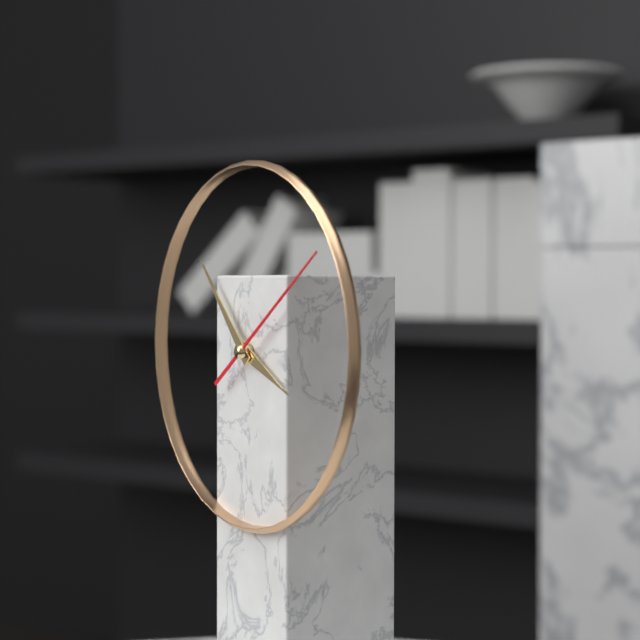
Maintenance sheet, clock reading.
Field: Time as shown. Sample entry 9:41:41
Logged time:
3:53:09
